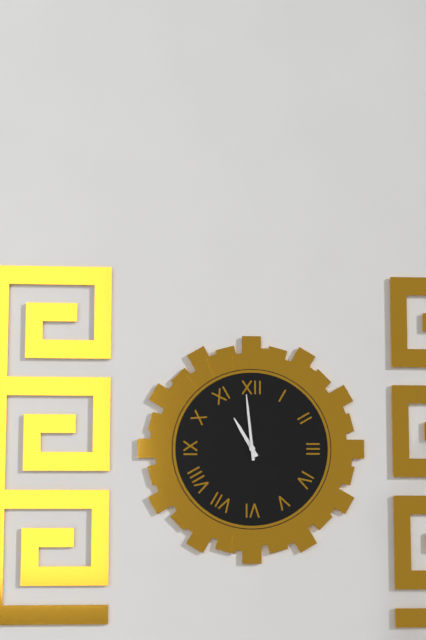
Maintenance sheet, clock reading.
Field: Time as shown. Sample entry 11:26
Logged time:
10:59
